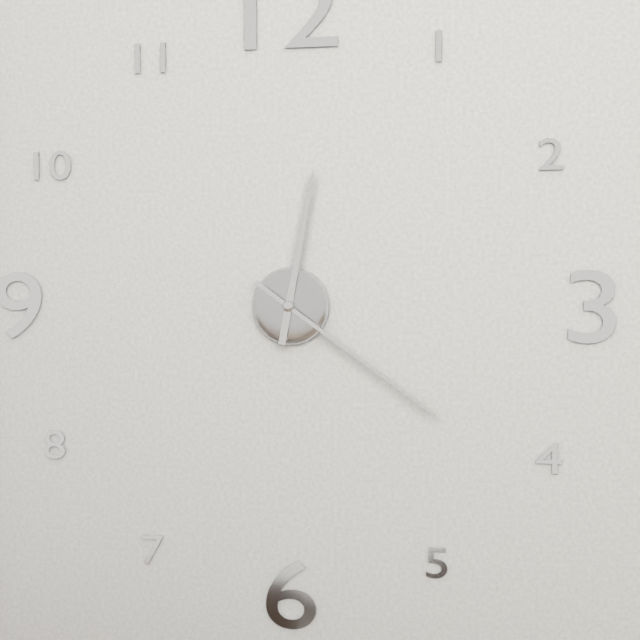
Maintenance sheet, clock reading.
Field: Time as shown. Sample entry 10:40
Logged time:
12:21
